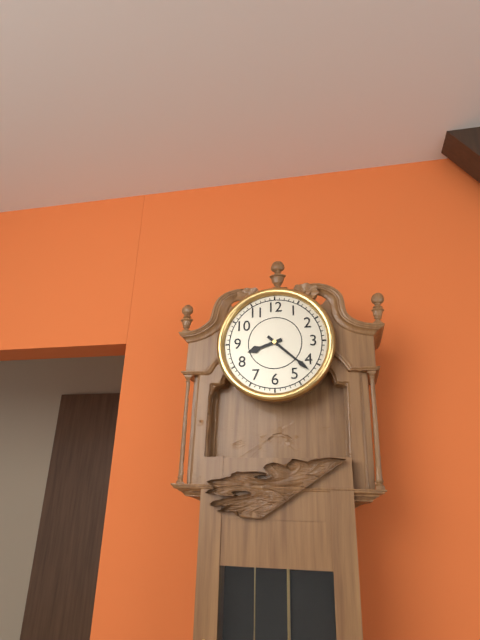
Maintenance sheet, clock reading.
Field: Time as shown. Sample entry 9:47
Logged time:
8:22
